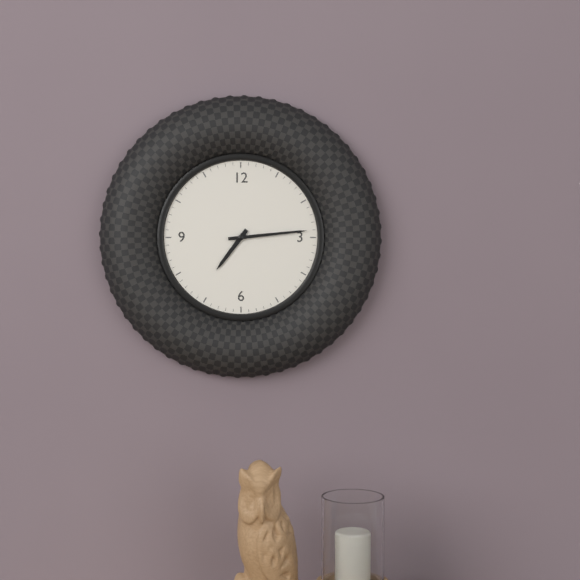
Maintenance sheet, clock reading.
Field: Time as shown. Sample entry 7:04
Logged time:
7:14
